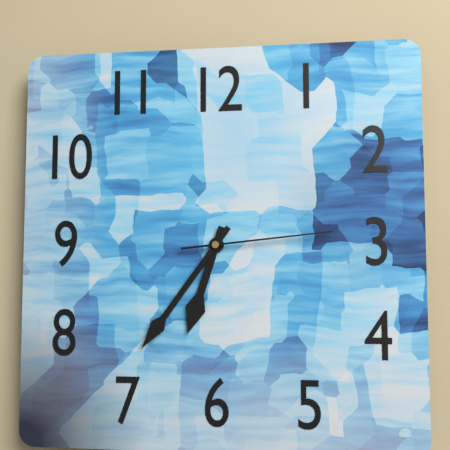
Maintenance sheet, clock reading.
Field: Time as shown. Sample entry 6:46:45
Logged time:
6:36:14
